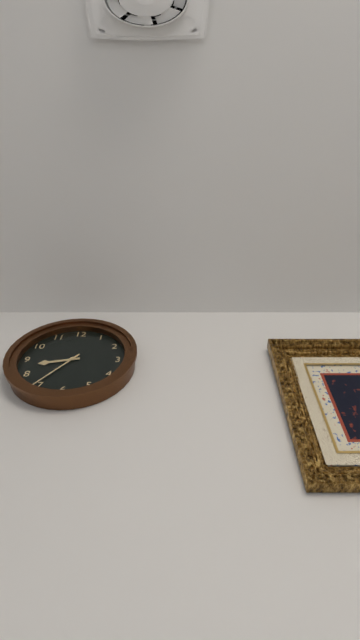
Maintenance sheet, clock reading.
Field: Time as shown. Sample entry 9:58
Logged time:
8:36
